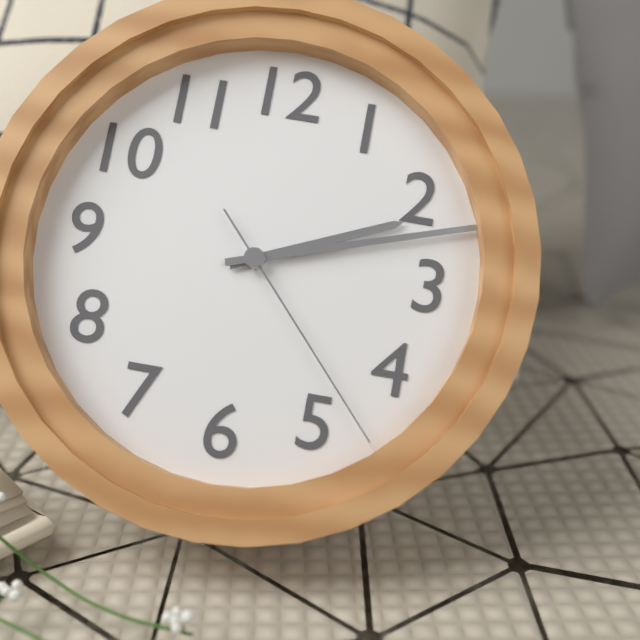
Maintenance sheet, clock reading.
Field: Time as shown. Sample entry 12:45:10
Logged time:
2:12:23
